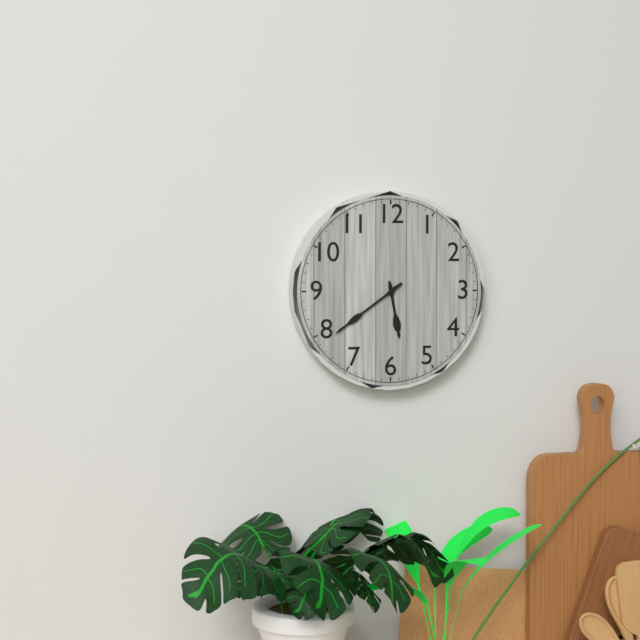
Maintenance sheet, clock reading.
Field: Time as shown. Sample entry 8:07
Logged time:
5:39
